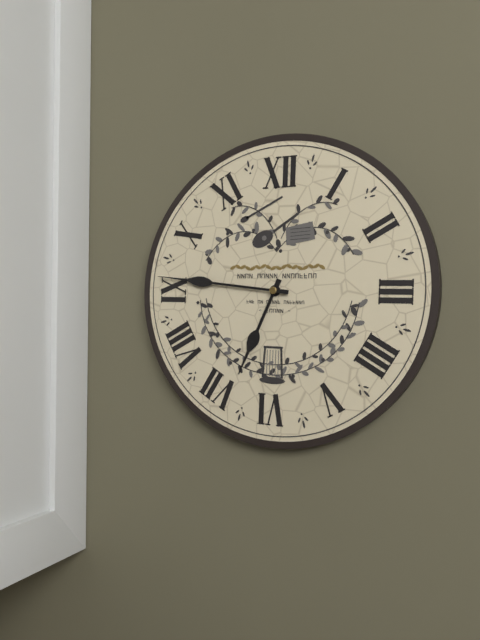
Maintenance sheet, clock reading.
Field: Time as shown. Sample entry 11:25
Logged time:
6:46
